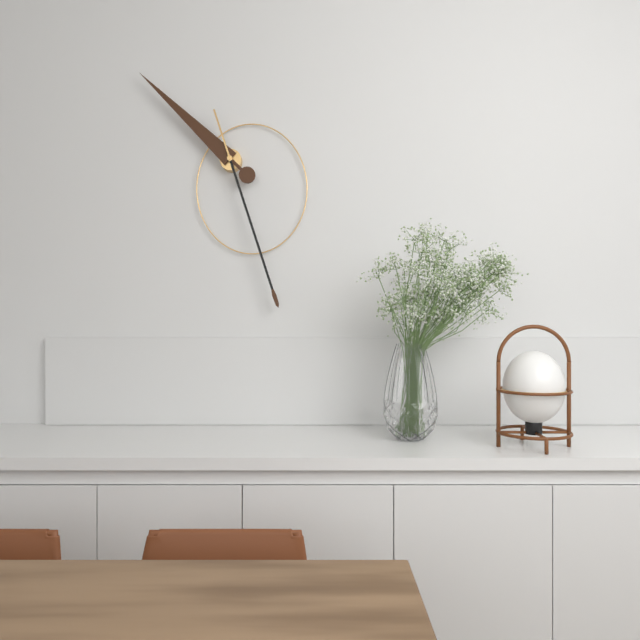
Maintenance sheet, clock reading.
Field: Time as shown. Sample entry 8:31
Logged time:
10:27
